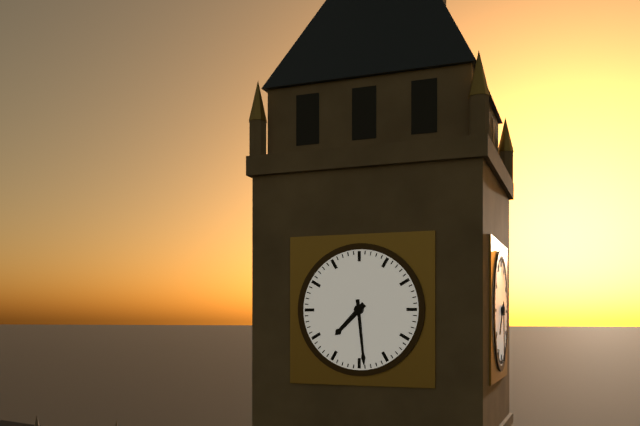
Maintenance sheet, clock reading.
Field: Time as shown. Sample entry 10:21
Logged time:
7:29
